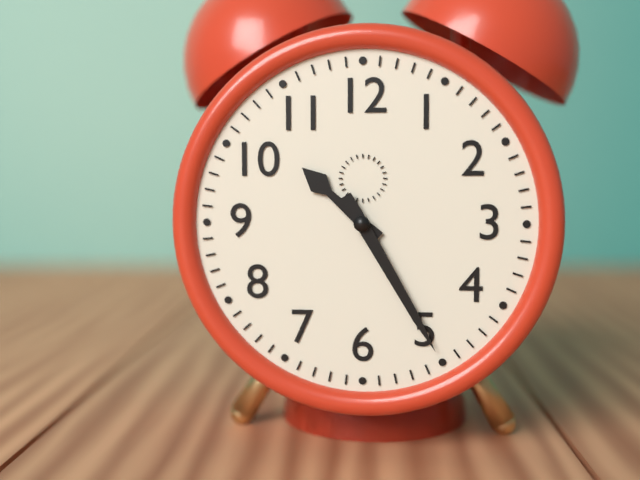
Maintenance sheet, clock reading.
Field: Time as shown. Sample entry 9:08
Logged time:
10:25
